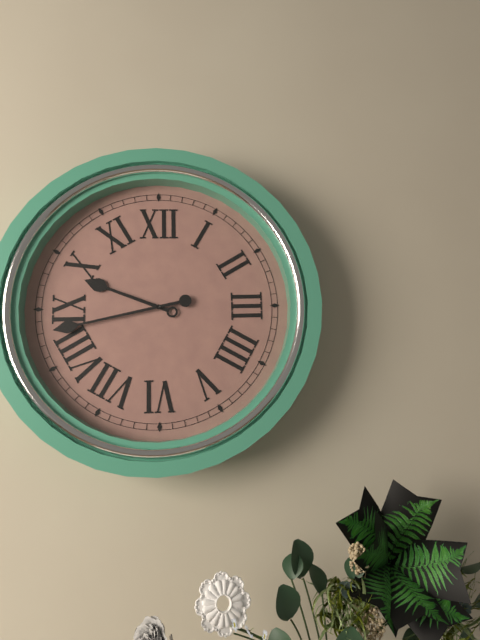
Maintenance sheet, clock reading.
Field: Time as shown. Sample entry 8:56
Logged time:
9:43
